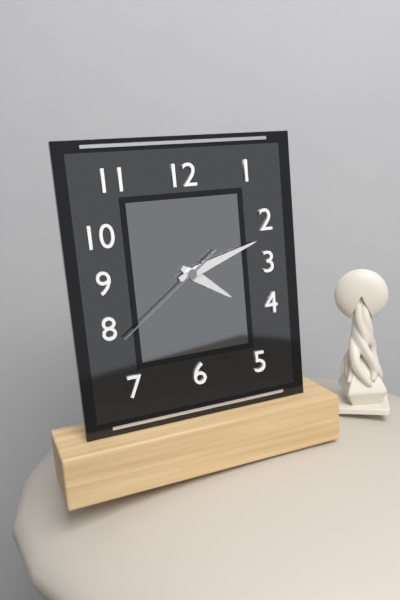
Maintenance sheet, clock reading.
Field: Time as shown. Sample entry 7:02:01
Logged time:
4:12:39
